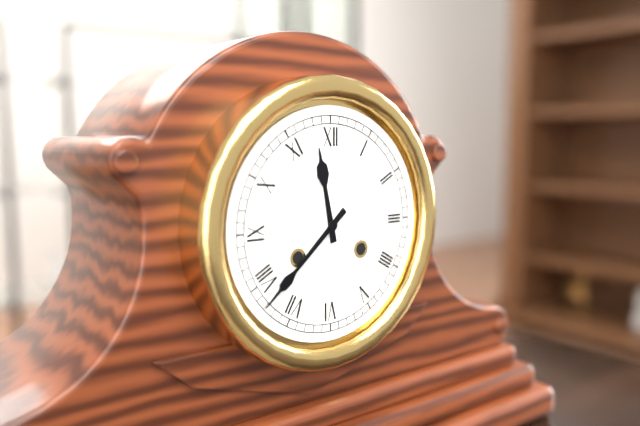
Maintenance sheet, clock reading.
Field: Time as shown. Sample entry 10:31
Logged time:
11:38
